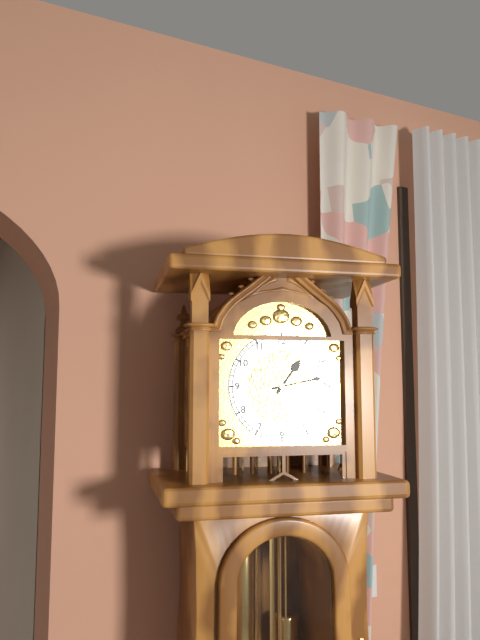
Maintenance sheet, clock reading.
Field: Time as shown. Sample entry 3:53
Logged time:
1:13
